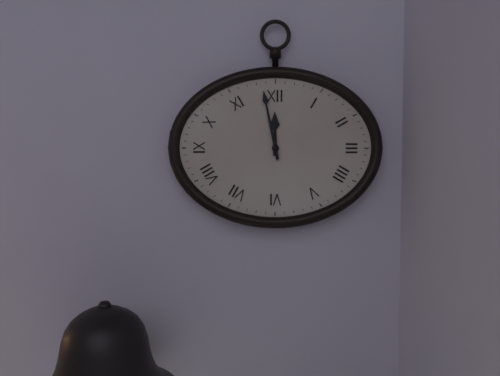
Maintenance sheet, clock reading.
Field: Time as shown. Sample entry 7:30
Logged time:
11:58
